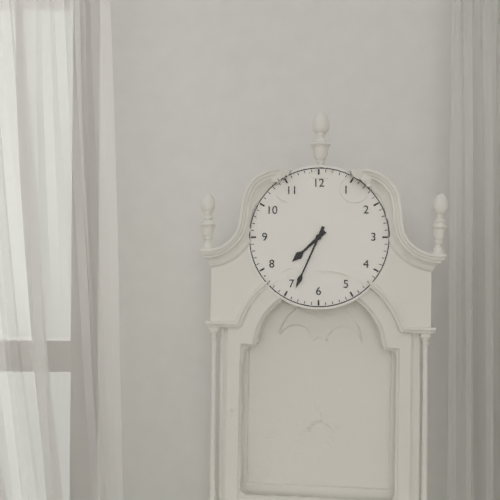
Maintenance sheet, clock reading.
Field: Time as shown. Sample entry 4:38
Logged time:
7:34
